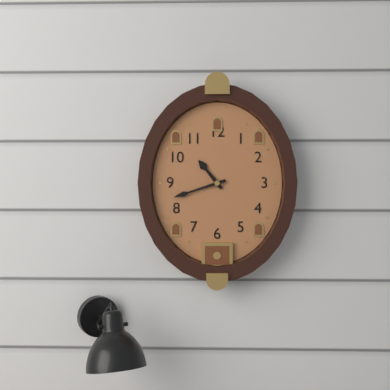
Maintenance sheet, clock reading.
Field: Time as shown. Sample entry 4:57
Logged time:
10:42
